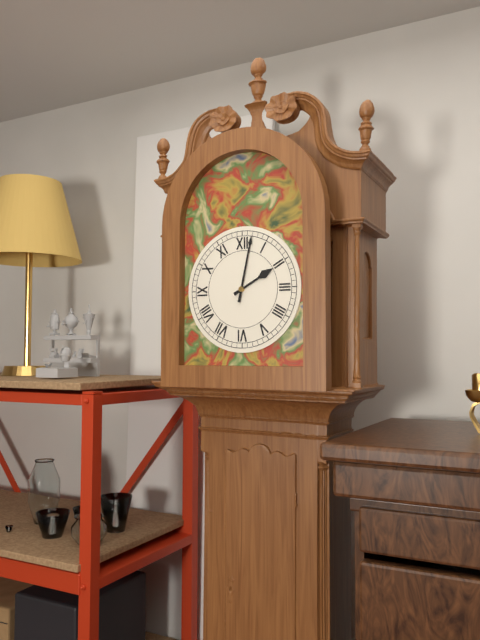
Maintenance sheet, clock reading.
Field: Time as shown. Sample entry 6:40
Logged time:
2:02
